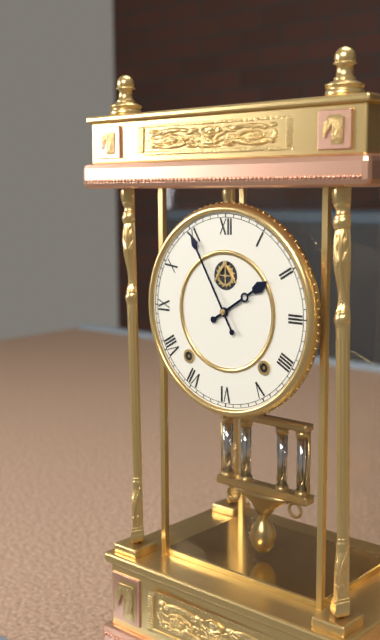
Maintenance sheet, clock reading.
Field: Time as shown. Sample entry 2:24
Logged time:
1:55
